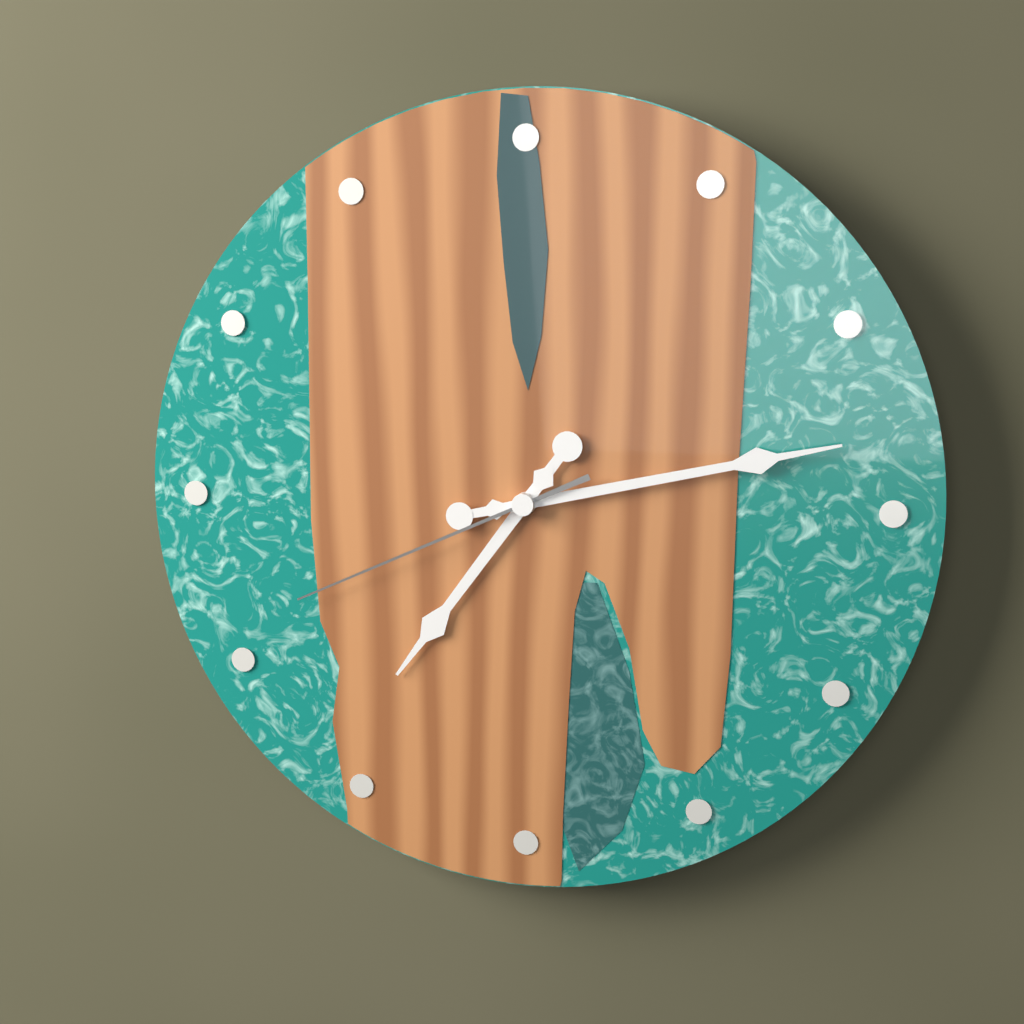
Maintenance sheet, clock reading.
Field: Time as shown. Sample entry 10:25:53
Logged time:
7:13:41
